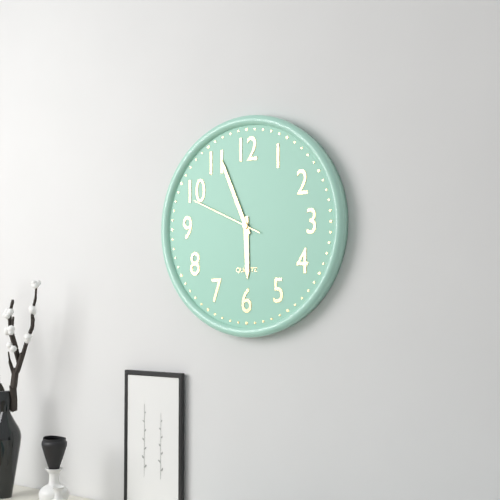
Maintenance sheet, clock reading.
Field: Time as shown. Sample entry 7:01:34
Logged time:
5:56:49
